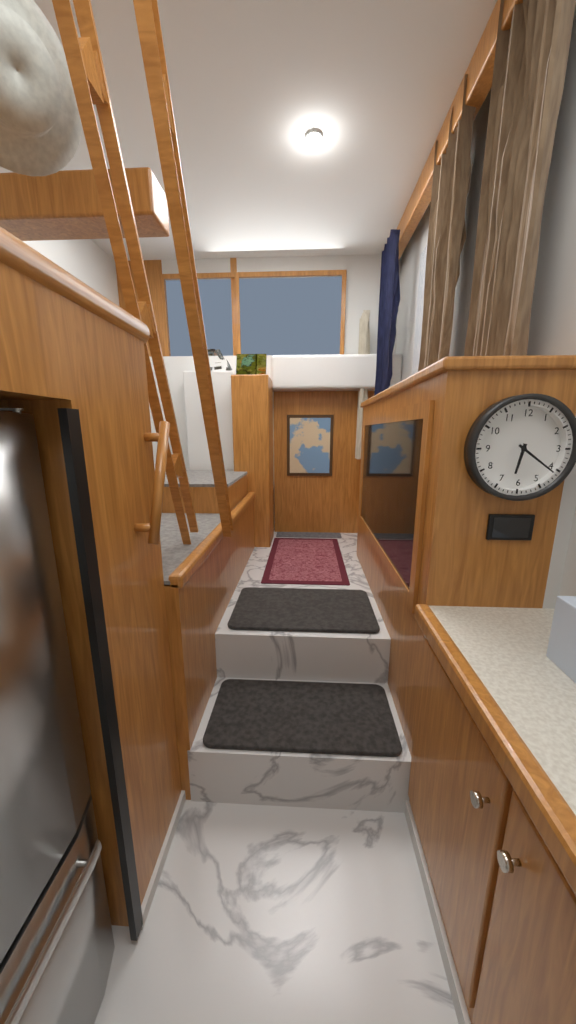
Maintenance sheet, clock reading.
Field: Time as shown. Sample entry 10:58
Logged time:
6:21
